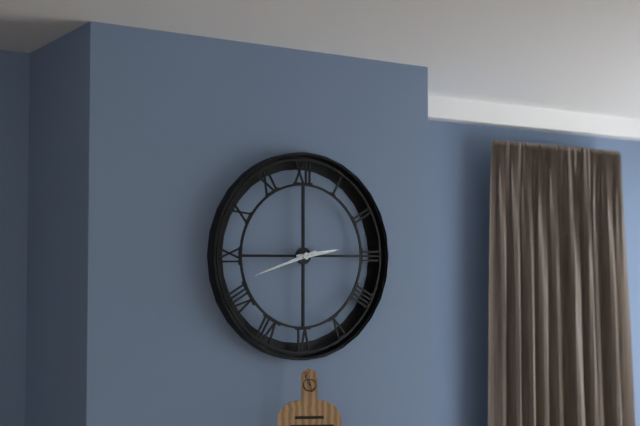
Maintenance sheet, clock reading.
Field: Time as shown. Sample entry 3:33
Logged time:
2:42
